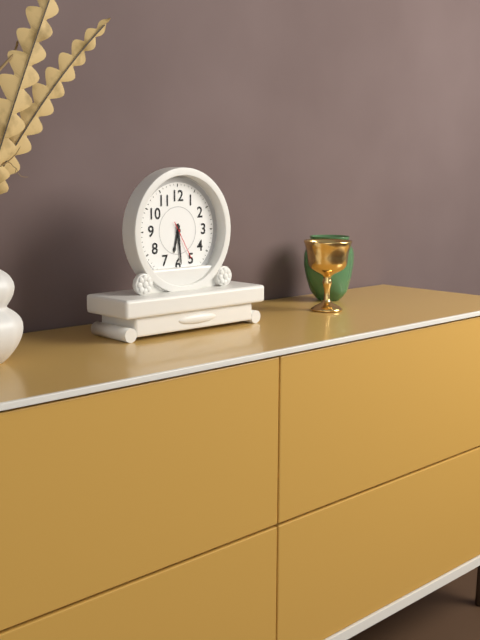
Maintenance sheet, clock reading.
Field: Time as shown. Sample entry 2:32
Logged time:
6:29
